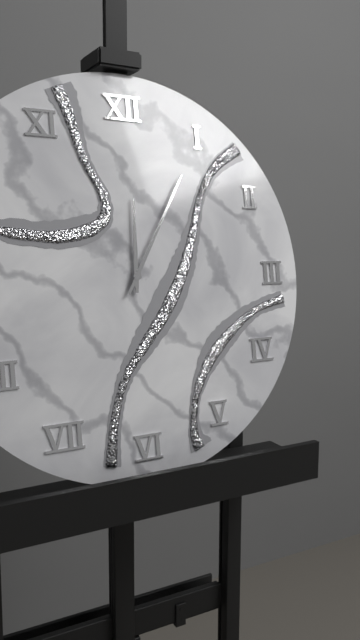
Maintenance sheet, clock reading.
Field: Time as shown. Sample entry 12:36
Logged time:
12:05
